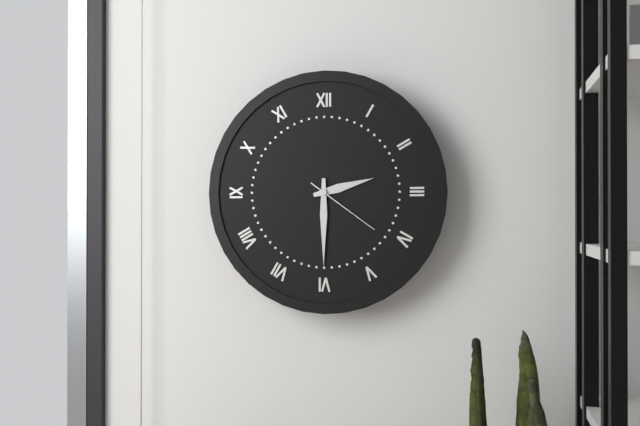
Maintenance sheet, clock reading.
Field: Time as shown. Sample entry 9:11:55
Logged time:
2:30:21
